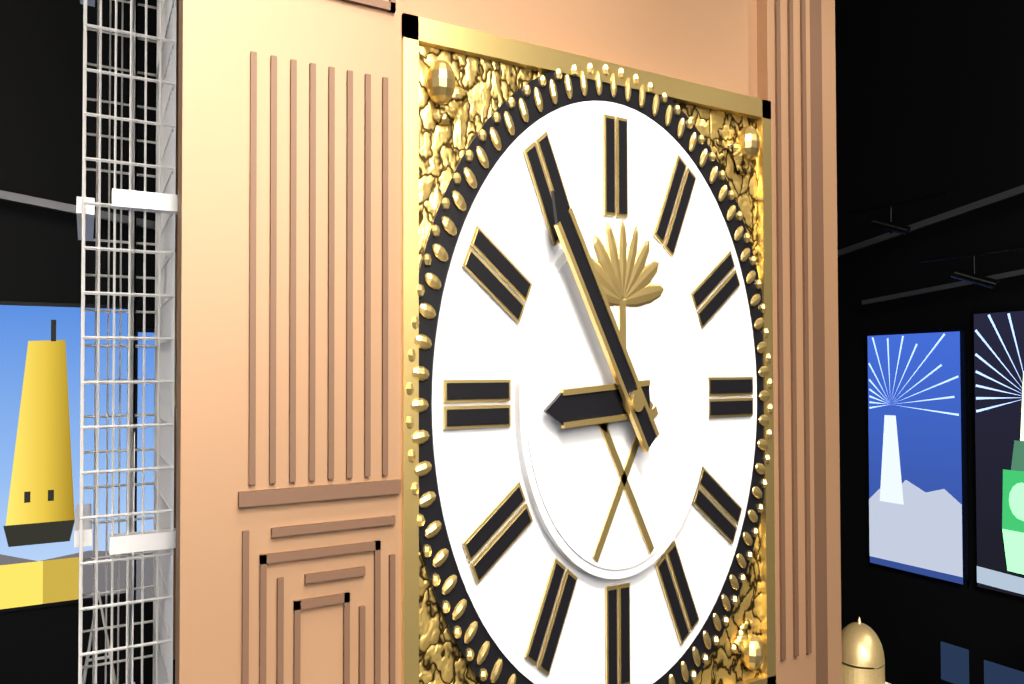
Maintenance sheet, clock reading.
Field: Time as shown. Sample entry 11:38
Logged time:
8:54
